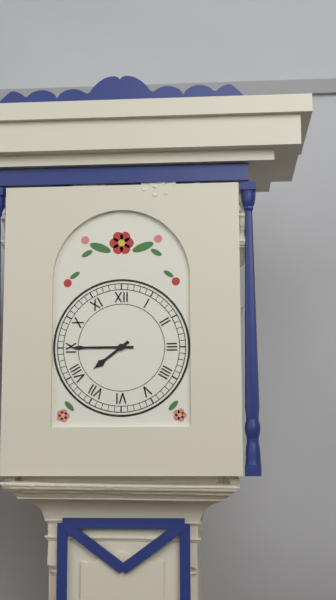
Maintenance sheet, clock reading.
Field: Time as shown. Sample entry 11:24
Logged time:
7:45
